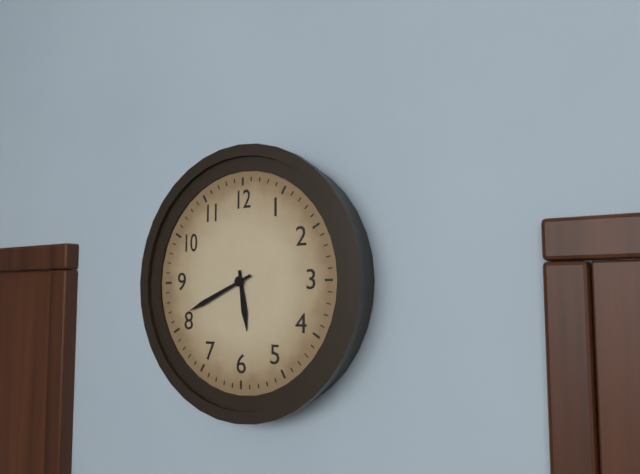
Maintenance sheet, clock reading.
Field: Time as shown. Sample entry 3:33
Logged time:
5:41
